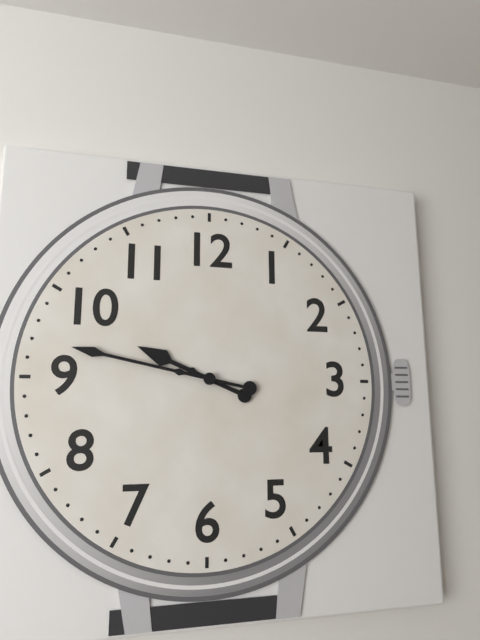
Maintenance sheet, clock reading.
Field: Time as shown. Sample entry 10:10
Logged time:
9:47
